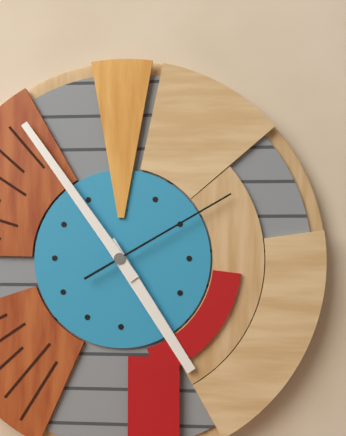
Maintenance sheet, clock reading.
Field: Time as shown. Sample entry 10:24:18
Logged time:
4:54:10
